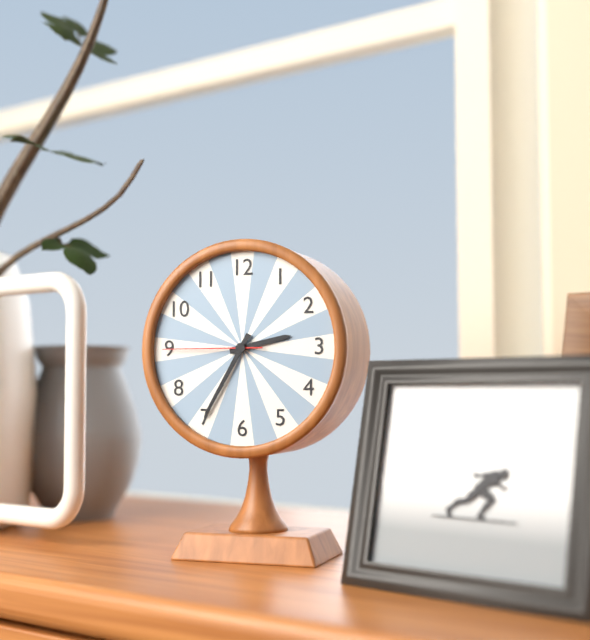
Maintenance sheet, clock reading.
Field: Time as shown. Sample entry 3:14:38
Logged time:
2:35:45
